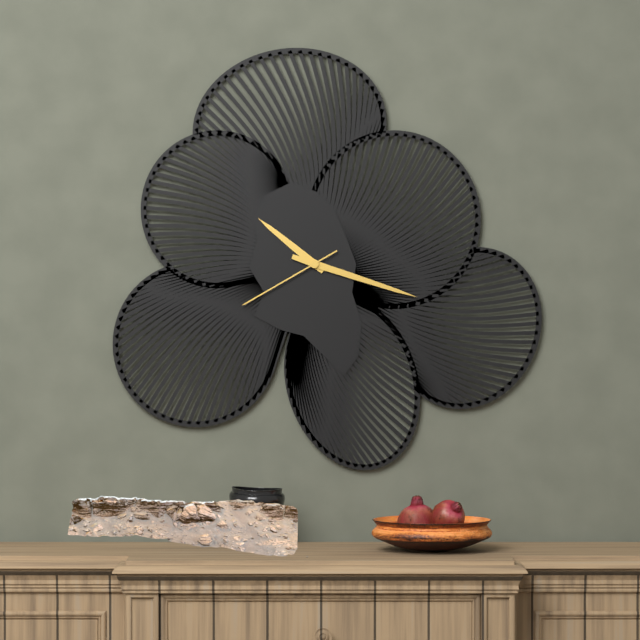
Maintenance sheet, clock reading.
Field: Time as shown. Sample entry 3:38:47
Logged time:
10:18:40
